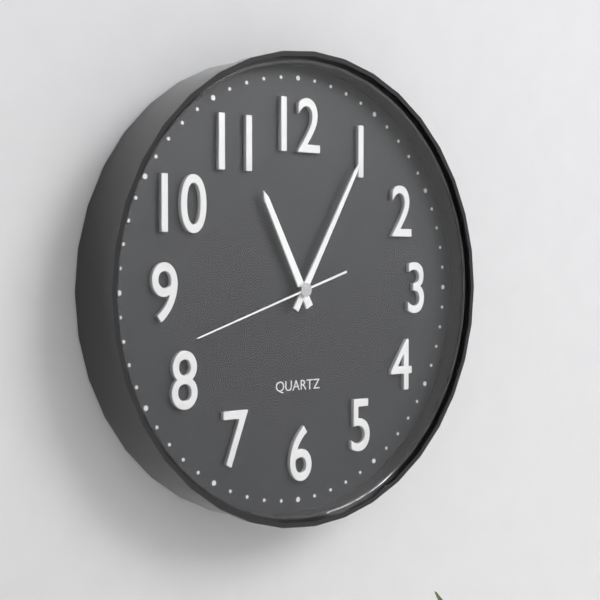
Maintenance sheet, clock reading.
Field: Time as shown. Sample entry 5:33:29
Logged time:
11:05:42
